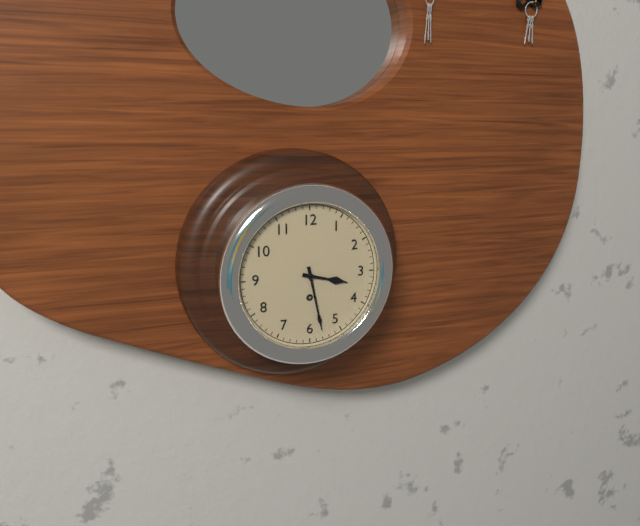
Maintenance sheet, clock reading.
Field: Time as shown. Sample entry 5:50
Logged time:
3:28
